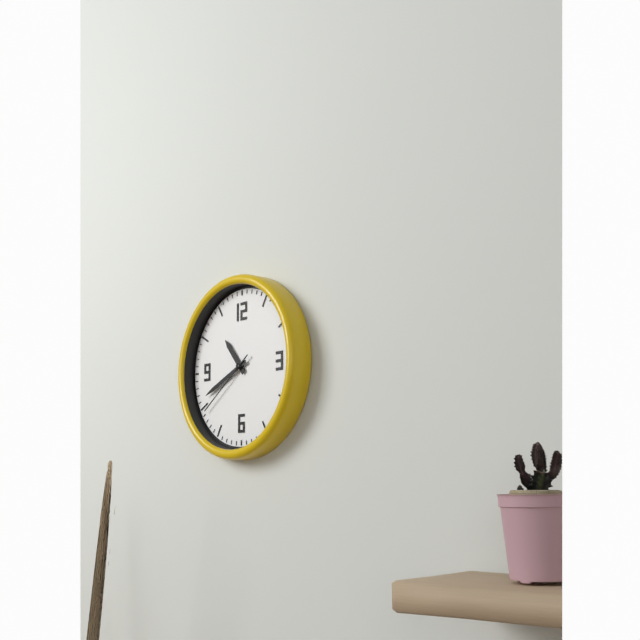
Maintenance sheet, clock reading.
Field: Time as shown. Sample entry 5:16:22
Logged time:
10:41:39
